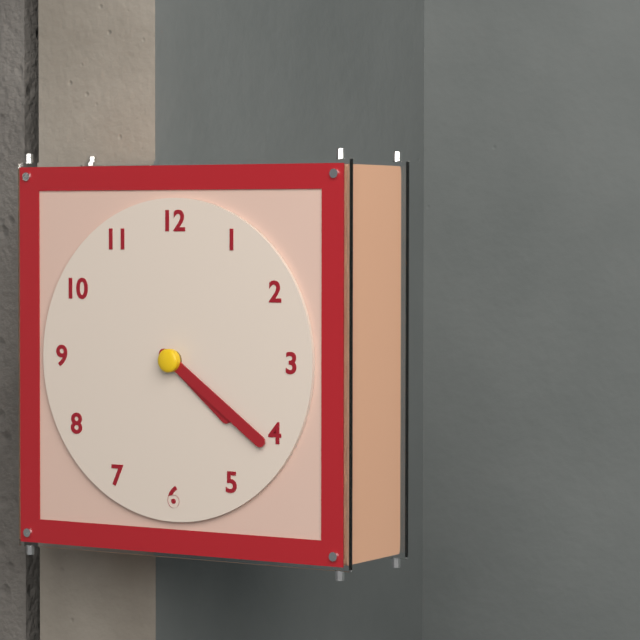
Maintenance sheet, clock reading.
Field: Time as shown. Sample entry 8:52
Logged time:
4:21
